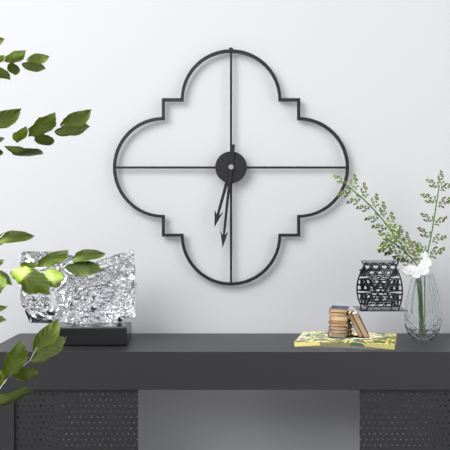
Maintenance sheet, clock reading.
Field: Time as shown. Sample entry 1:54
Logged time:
6:31
